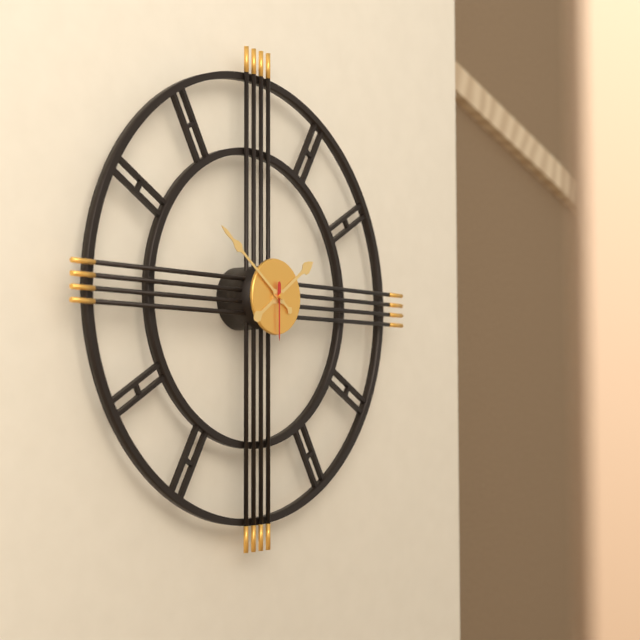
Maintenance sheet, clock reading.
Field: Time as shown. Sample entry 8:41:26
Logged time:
1:51:30
